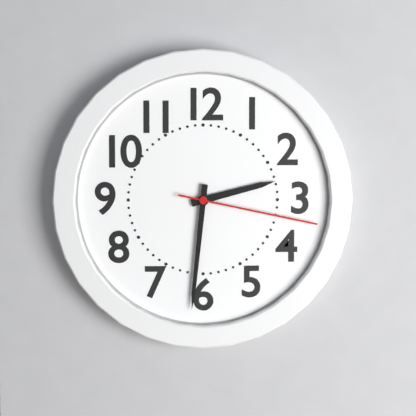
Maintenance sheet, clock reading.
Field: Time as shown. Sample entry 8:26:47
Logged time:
2:31:17
